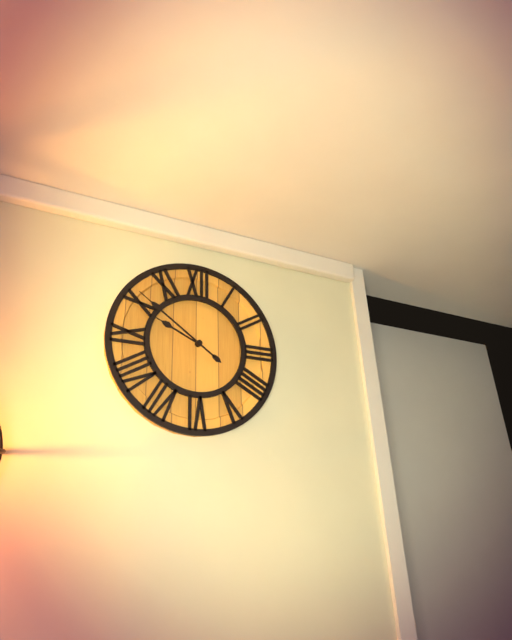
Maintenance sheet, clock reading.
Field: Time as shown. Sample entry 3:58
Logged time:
9:51
